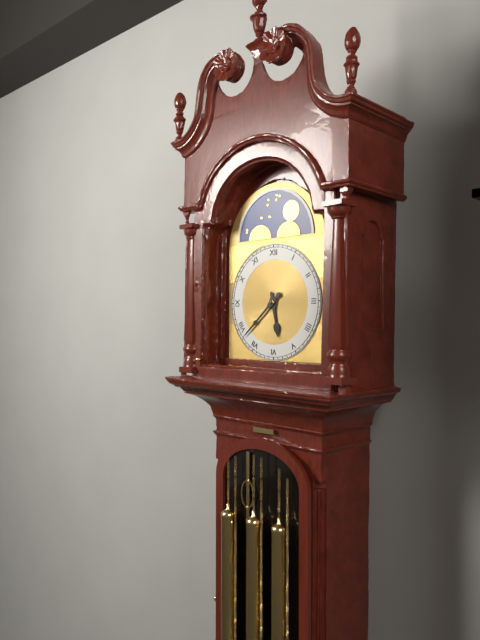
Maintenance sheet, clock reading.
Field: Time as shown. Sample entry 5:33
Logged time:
5:38
